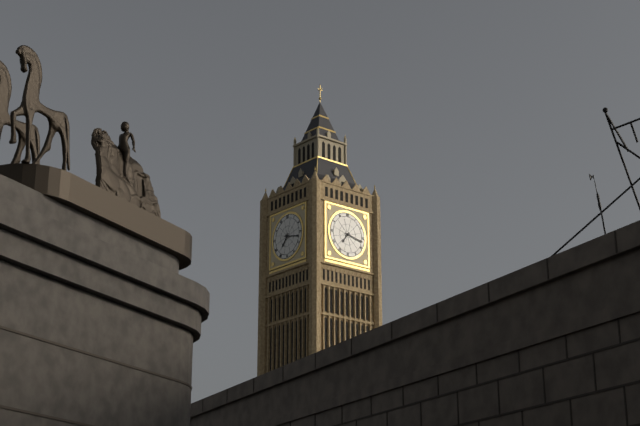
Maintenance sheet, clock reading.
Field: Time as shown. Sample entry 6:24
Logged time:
7:17
